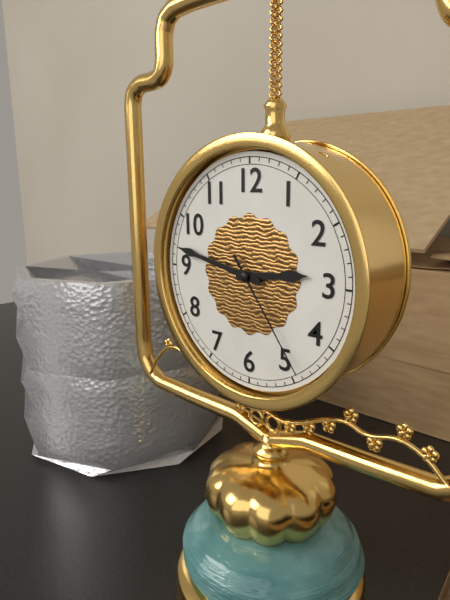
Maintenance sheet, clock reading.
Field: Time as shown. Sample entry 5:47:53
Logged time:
2:47:24
